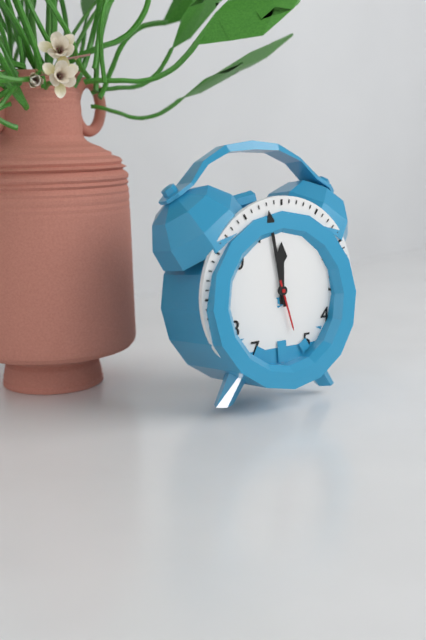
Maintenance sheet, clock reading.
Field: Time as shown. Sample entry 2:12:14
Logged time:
11:58:27
